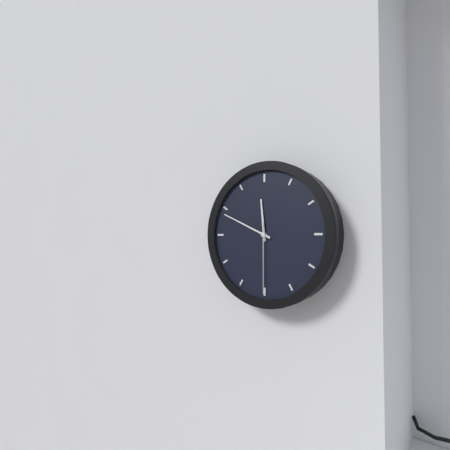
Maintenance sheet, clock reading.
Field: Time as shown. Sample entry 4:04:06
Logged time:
11:49:30
